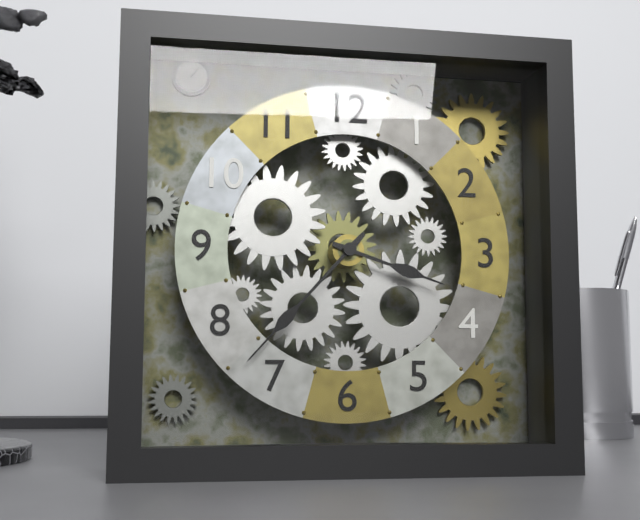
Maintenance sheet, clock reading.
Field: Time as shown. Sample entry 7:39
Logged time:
3:37
